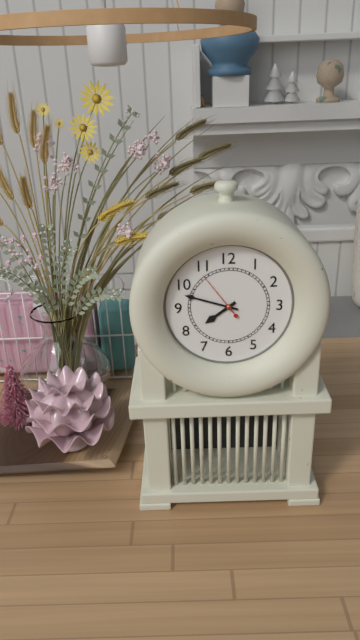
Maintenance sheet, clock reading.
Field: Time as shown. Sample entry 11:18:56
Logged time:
7:48:54
